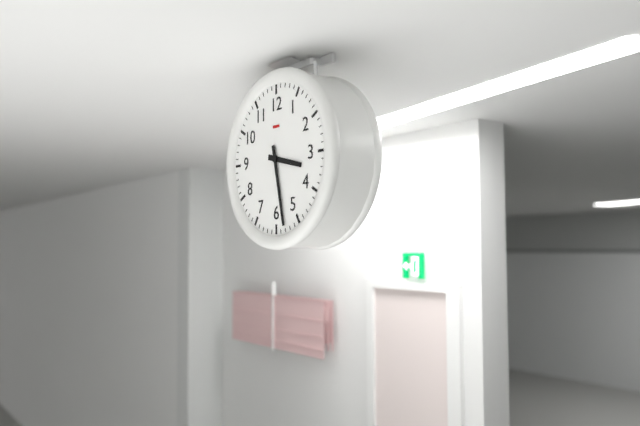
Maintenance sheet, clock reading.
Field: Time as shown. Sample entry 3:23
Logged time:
3:28
